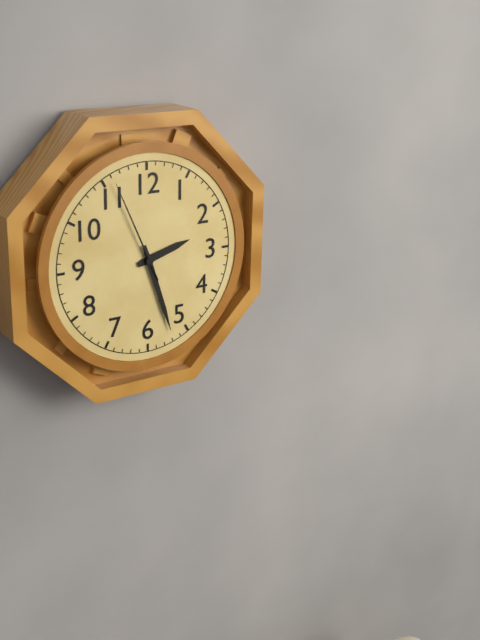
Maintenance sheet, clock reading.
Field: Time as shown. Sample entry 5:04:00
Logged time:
2:27:56
